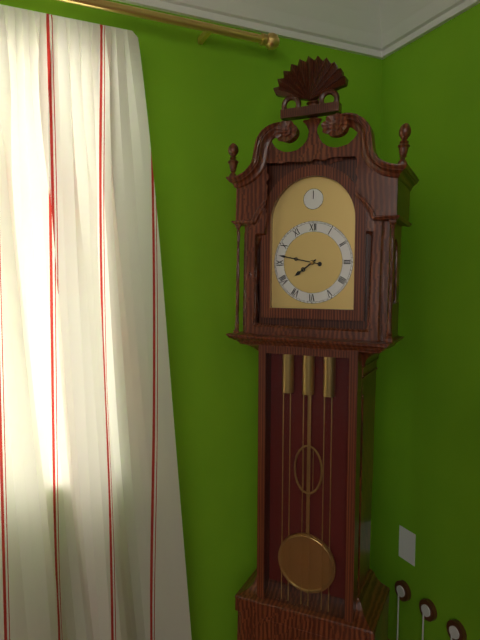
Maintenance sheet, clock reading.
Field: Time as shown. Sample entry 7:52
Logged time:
7:47
